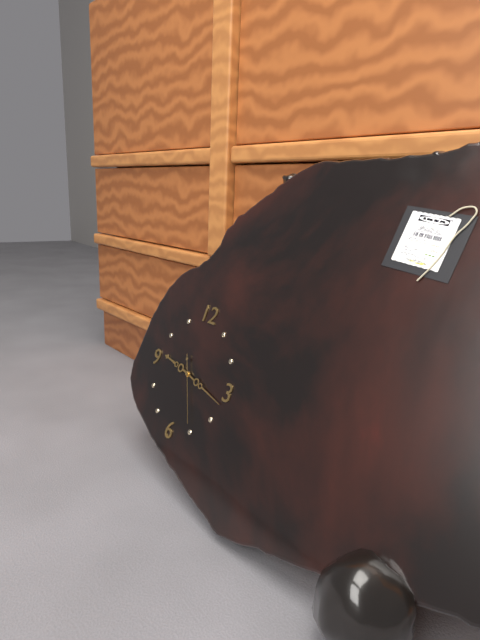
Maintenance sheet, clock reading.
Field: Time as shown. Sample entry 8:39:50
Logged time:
9:17:25
